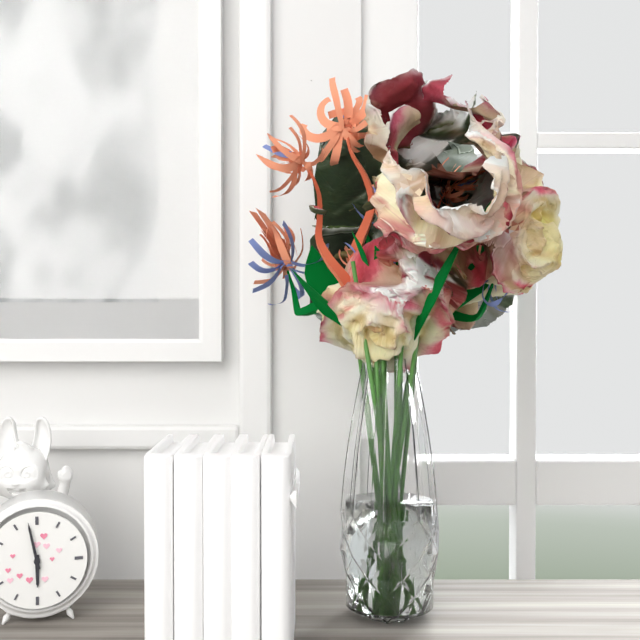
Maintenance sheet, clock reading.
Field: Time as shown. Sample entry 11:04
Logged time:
5:58
